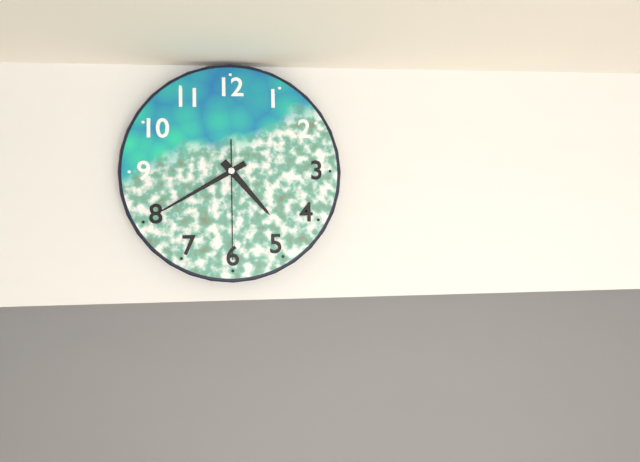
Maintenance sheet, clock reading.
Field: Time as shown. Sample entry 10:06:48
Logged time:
4:40:30
